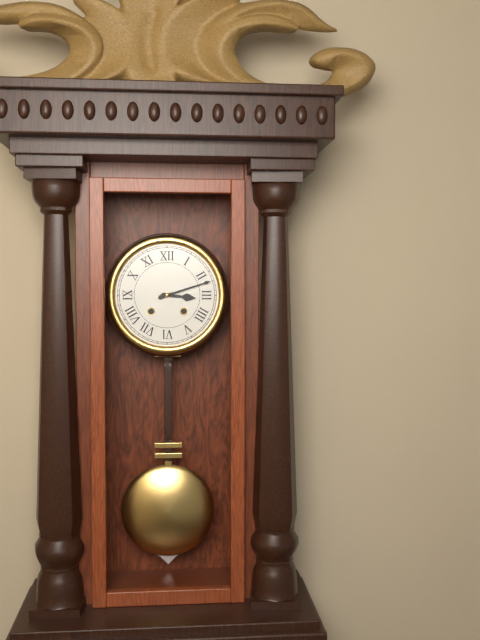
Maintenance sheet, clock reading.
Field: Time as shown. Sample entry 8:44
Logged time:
3:12
